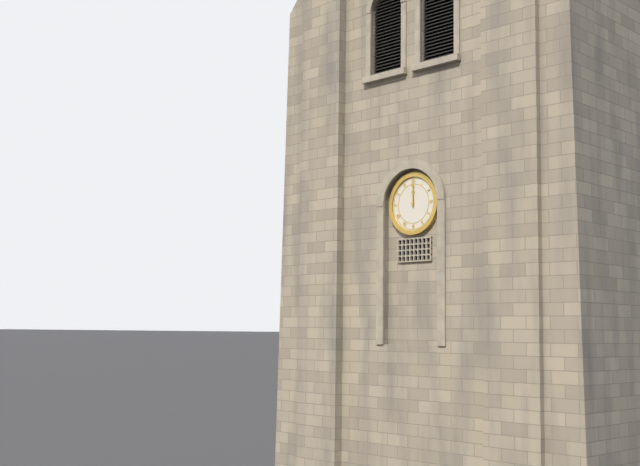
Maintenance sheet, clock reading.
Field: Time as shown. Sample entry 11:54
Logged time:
12:00
